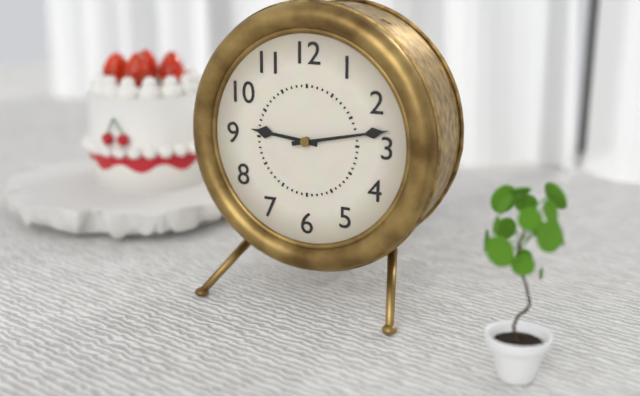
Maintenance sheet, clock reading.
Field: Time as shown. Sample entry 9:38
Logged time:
9:13
